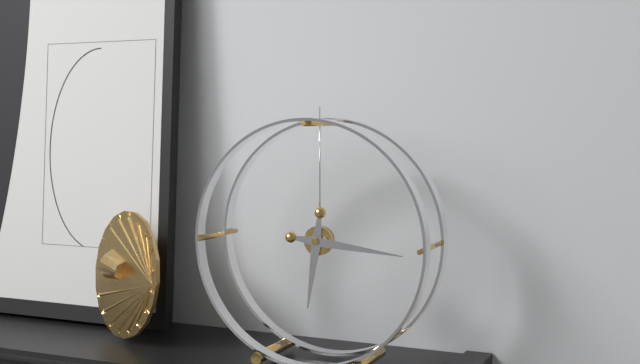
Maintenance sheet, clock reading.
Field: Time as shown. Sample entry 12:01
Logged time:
6:16
